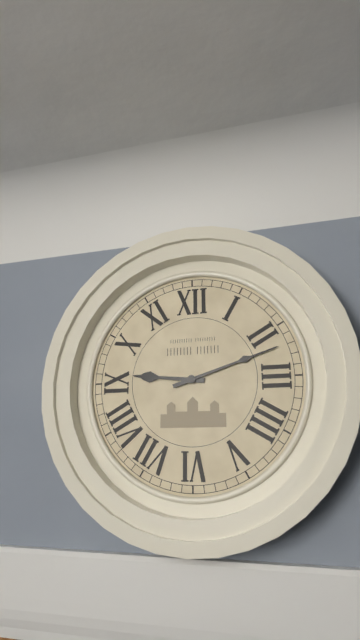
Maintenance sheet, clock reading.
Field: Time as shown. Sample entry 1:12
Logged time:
9:12
